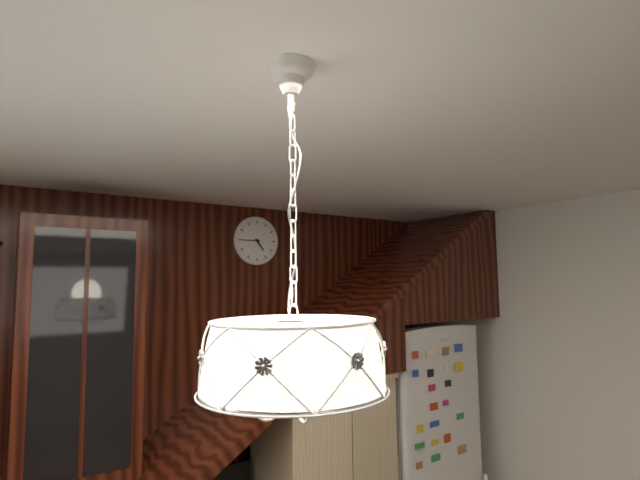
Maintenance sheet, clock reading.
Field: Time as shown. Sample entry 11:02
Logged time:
4:45
